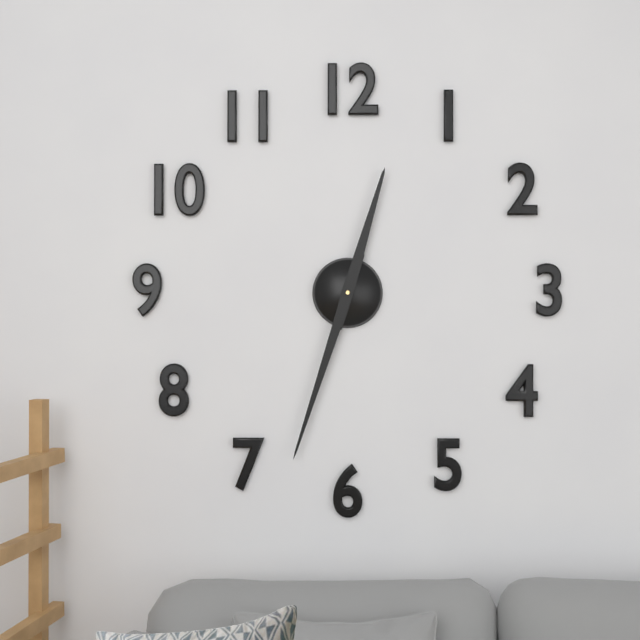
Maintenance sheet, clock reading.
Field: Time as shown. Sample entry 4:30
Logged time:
12:33
